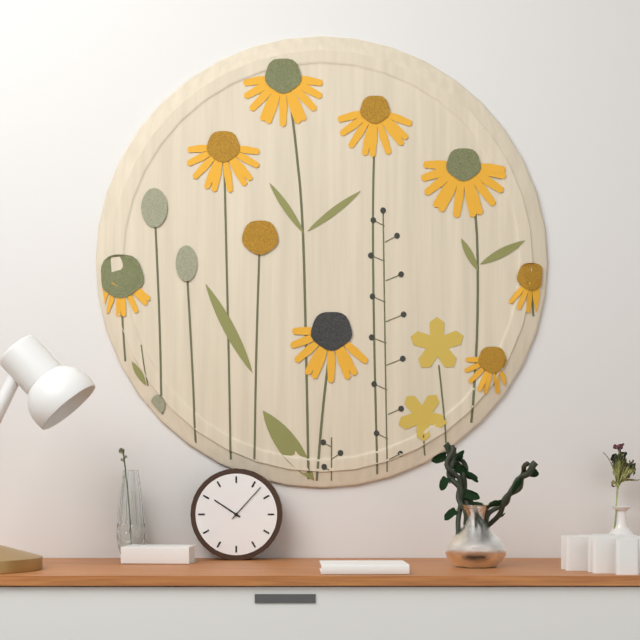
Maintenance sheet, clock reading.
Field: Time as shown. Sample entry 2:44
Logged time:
10:07
